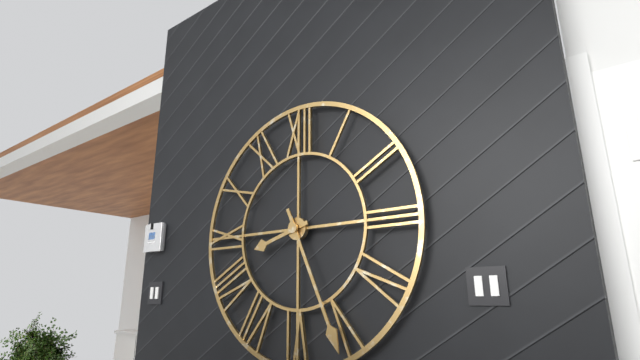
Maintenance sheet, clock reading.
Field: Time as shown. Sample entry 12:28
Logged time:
8:26
